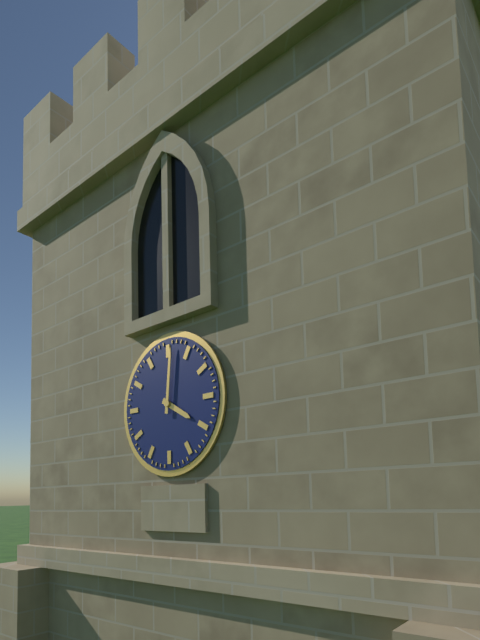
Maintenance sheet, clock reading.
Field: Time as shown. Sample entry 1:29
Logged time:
4:01
